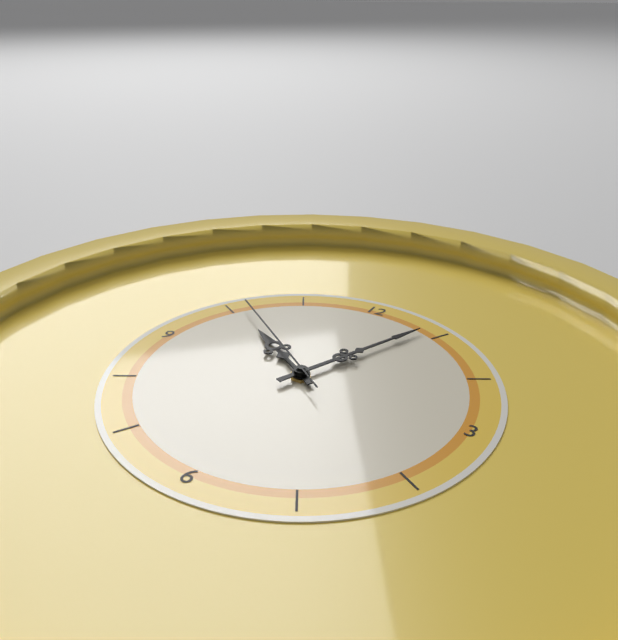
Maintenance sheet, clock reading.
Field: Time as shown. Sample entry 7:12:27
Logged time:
10:04:51
